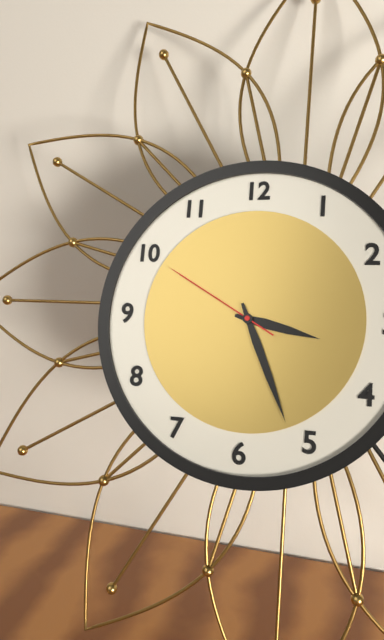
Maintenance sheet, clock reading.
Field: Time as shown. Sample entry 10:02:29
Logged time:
3:26:50
